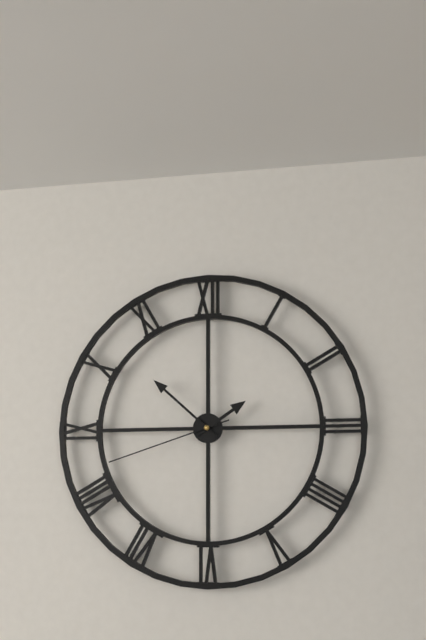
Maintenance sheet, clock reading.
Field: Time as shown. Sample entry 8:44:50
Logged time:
1:52:42
